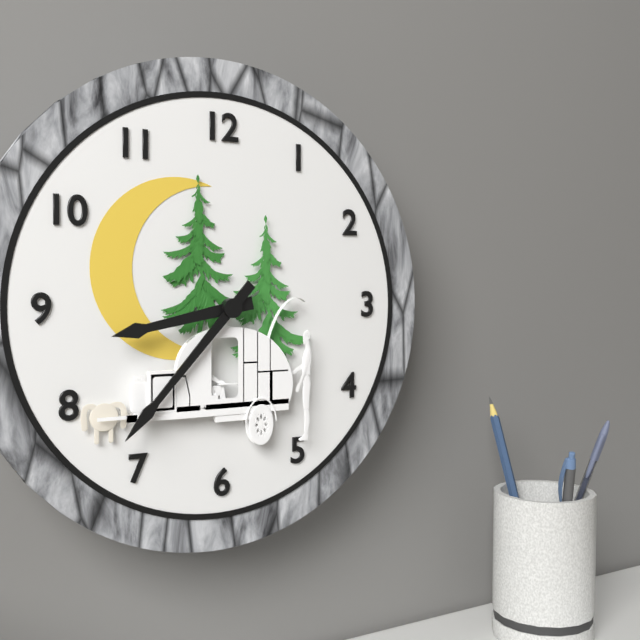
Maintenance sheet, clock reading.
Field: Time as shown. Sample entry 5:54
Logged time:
8:37
